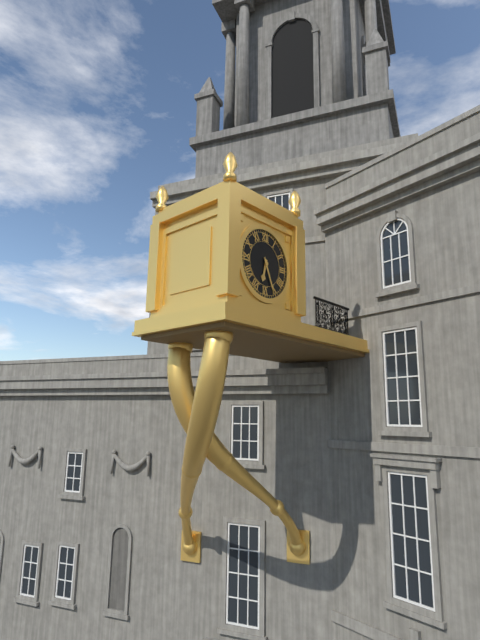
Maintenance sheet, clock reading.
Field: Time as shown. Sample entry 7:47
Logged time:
6:26
